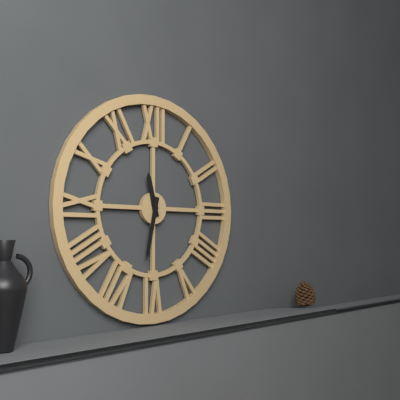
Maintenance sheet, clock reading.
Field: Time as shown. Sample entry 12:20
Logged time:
11:32
